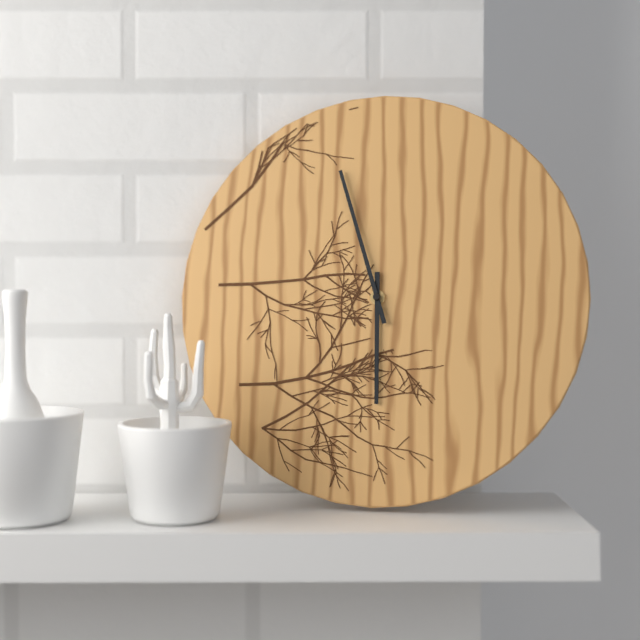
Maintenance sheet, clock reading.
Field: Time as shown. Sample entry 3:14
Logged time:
5:57
